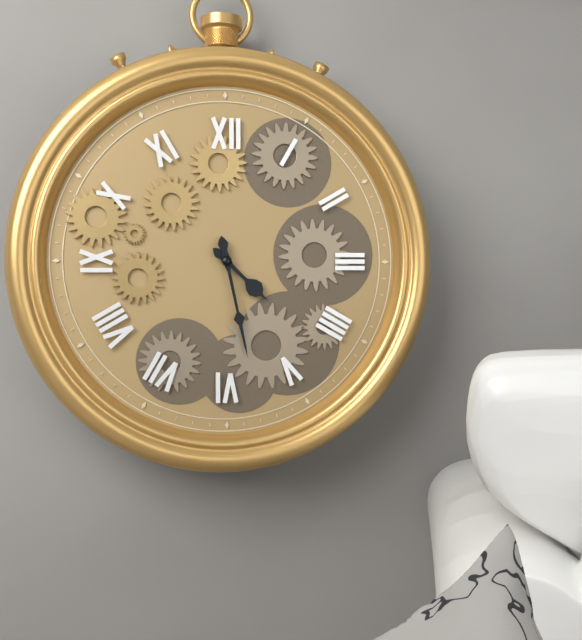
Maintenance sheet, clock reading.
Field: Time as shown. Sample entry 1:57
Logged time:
4:28
